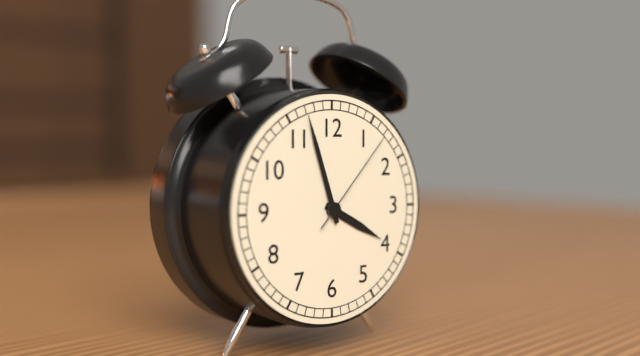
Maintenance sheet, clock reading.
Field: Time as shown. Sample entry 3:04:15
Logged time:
3:57:07
